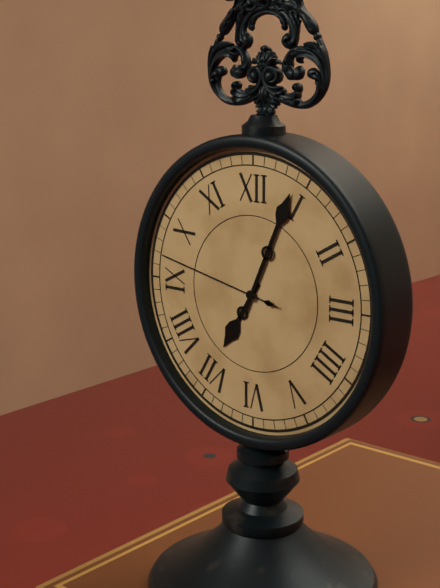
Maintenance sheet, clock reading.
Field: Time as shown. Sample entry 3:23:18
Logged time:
7:04:47
